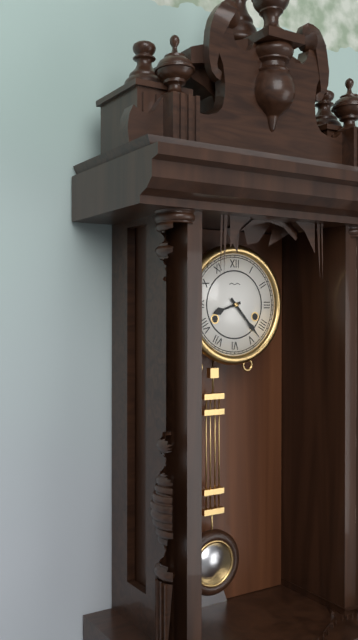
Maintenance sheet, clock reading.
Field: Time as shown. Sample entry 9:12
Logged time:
8:23
